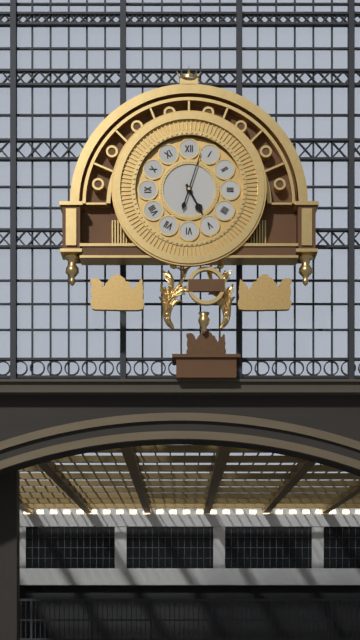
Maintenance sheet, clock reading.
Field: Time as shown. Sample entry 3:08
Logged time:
5:03
